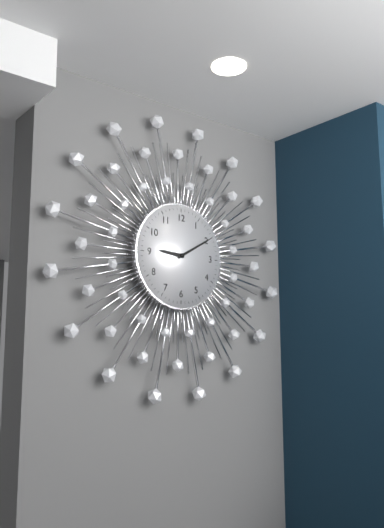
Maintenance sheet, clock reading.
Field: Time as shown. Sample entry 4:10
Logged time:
9:10
